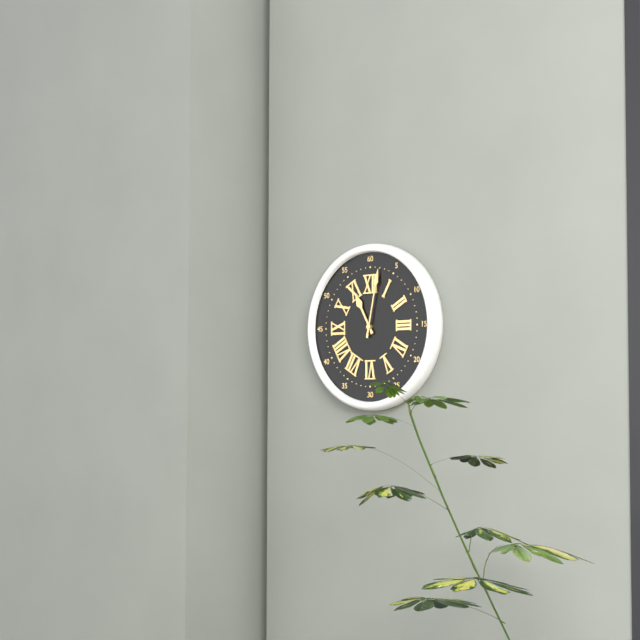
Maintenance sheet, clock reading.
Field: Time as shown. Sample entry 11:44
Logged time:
11:02
